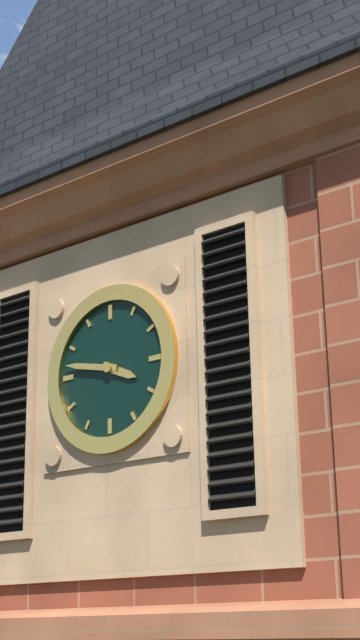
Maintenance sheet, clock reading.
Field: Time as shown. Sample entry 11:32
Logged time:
3:47
